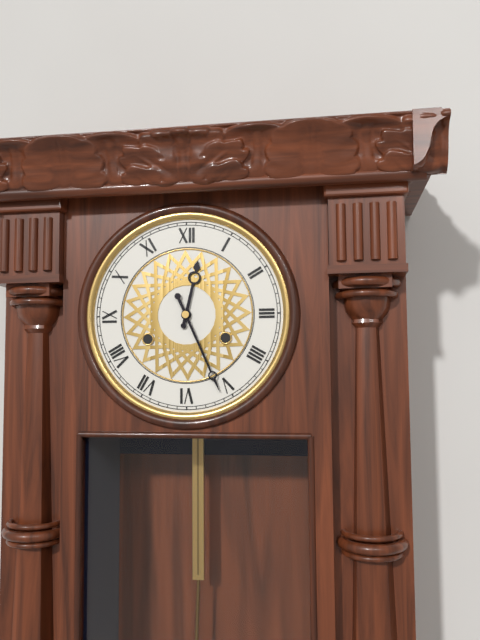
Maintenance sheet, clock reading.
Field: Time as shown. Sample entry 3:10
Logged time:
12:26
